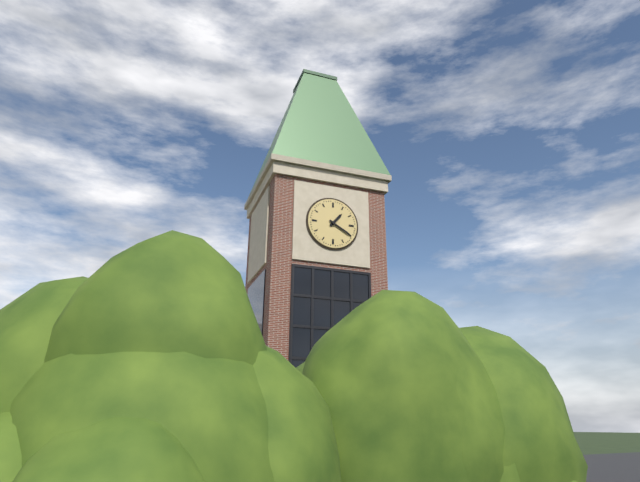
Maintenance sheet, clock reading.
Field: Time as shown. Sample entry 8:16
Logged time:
1:20
